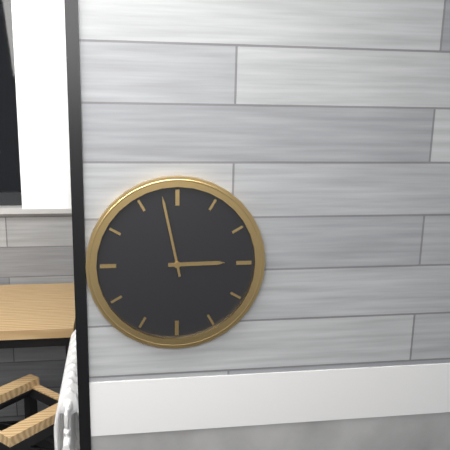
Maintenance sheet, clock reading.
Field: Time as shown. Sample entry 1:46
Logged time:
2:58
